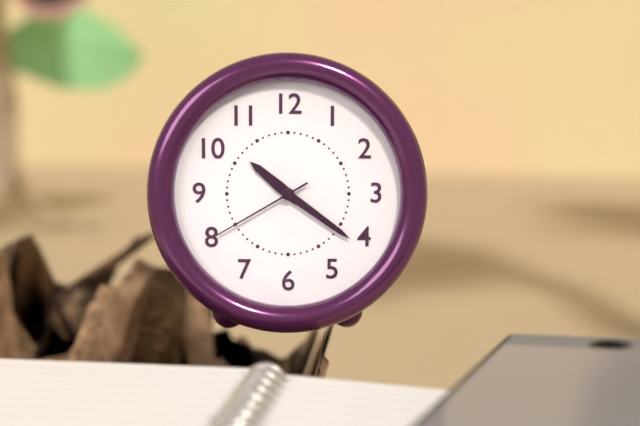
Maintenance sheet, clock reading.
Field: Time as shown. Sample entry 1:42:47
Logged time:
10:21:40
